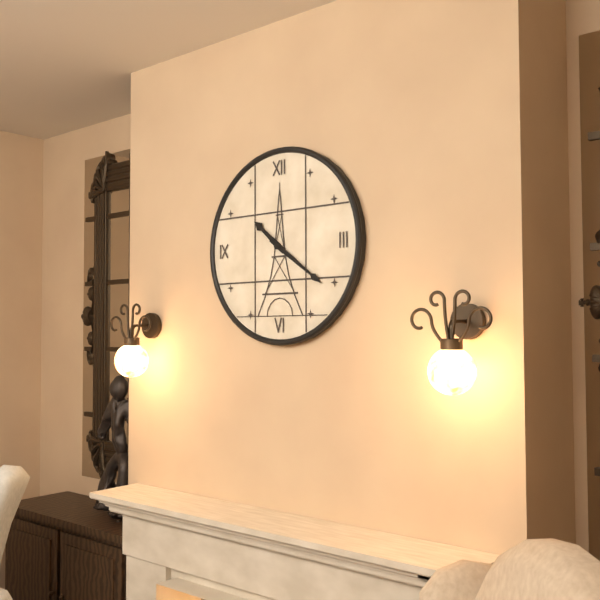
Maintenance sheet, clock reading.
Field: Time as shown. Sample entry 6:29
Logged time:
10:21
